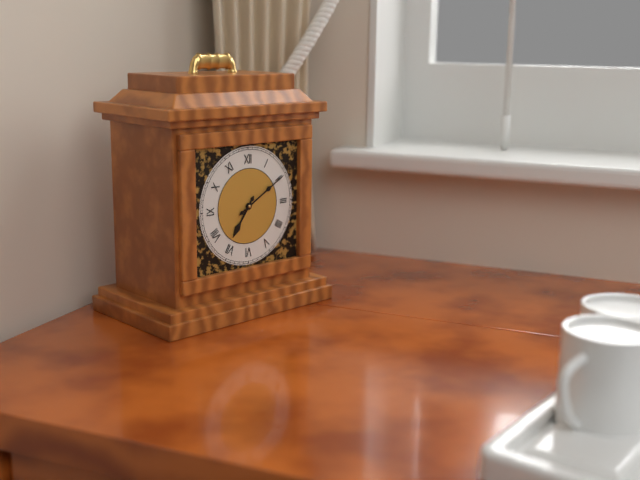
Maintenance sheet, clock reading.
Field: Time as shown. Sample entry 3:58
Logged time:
7:10
